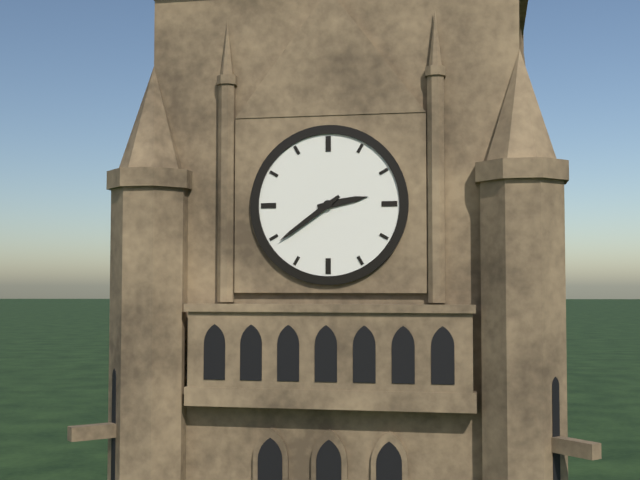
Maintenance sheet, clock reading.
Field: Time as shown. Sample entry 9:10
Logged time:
2:39
